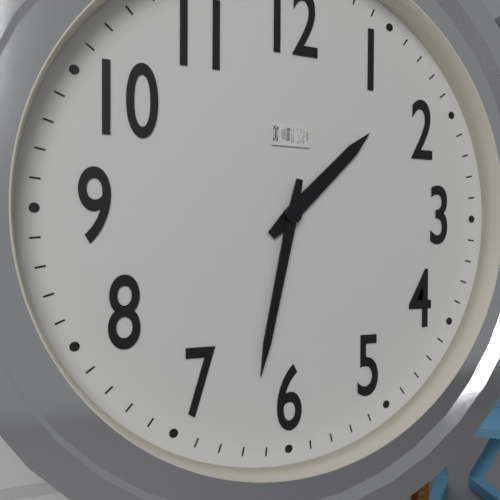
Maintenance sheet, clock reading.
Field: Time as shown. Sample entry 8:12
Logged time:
1:32
